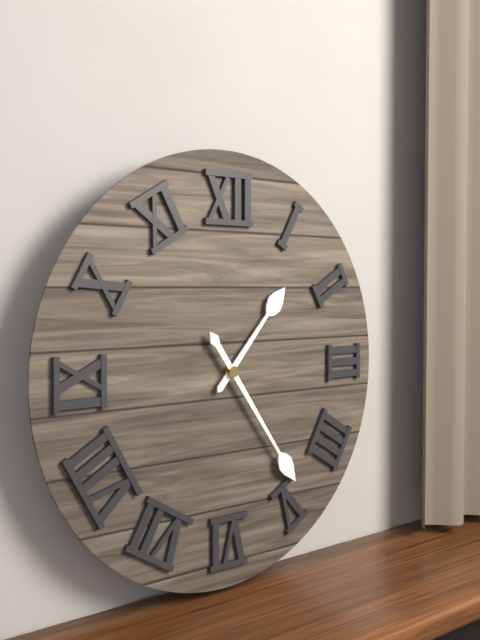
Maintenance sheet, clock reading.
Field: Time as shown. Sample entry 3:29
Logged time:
1:24
